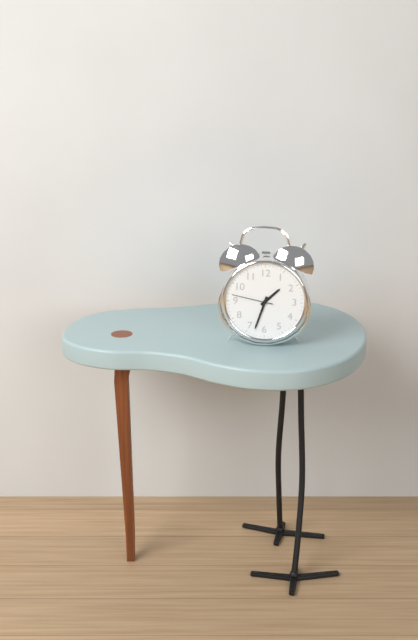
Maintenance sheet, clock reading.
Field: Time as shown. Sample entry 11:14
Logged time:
1:33
